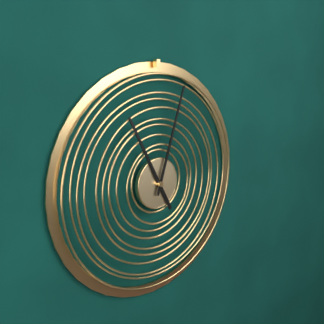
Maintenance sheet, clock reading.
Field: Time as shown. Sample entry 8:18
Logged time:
11:03
